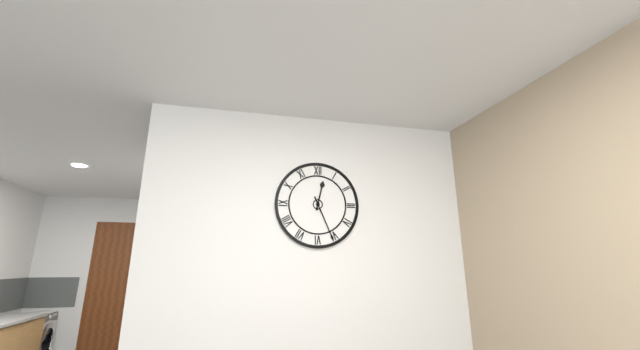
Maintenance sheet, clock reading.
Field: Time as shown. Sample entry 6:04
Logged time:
12:26
